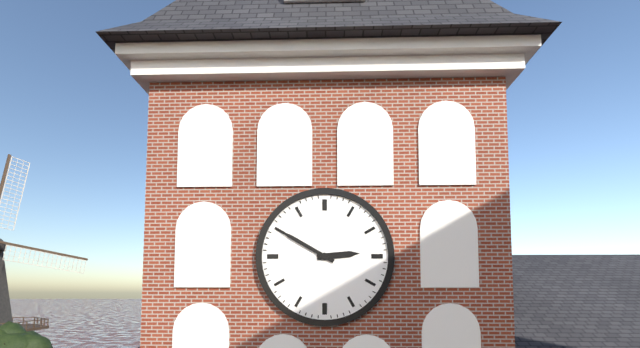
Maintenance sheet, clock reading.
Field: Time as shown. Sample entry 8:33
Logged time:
2:50
